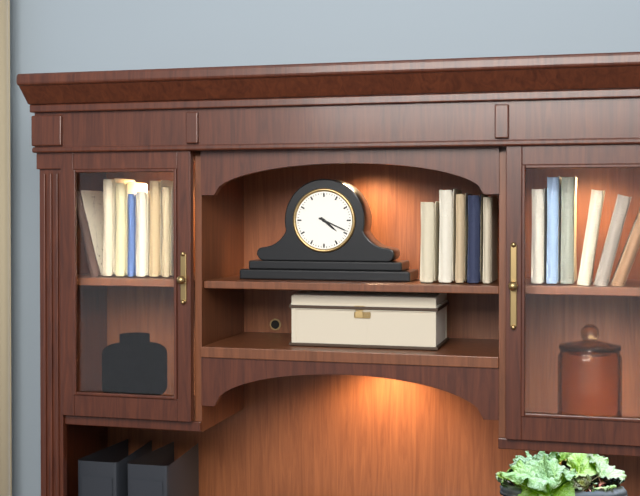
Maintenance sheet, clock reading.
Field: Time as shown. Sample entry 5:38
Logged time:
4:19
